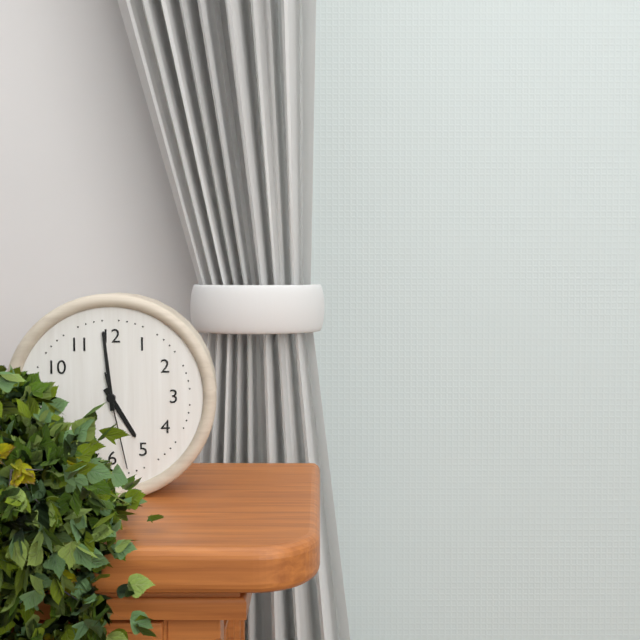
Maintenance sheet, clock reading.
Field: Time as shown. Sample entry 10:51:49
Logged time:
4:59:28
